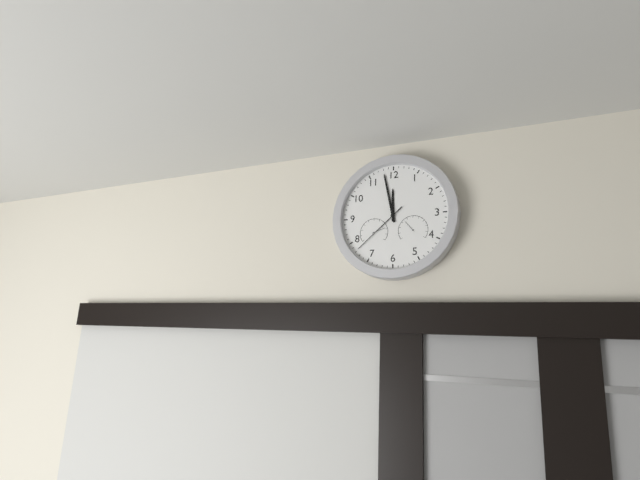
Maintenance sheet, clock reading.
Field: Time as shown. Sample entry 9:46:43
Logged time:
11:58:38
